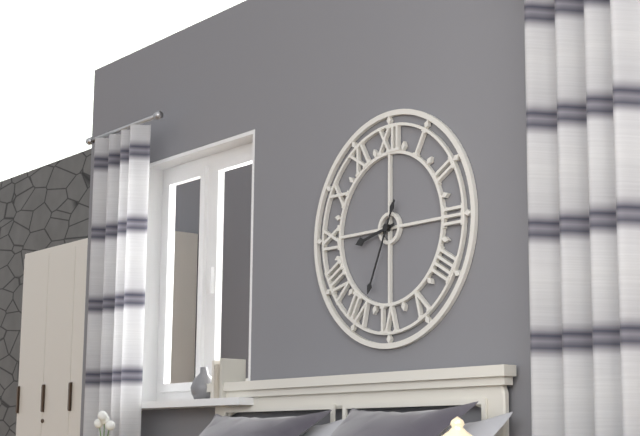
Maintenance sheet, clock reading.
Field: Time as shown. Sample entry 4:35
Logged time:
8:34
